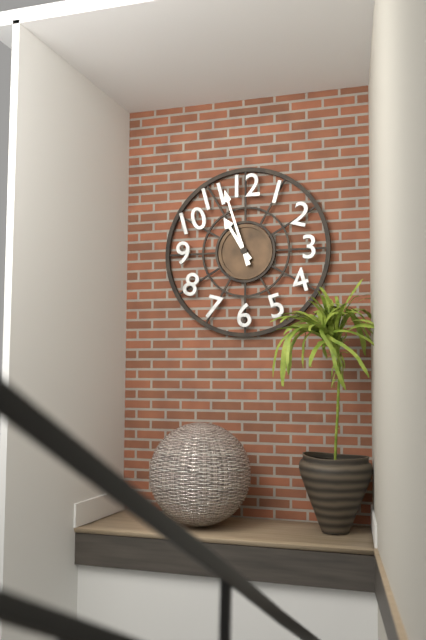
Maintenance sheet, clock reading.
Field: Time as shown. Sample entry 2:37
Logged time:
10:57
